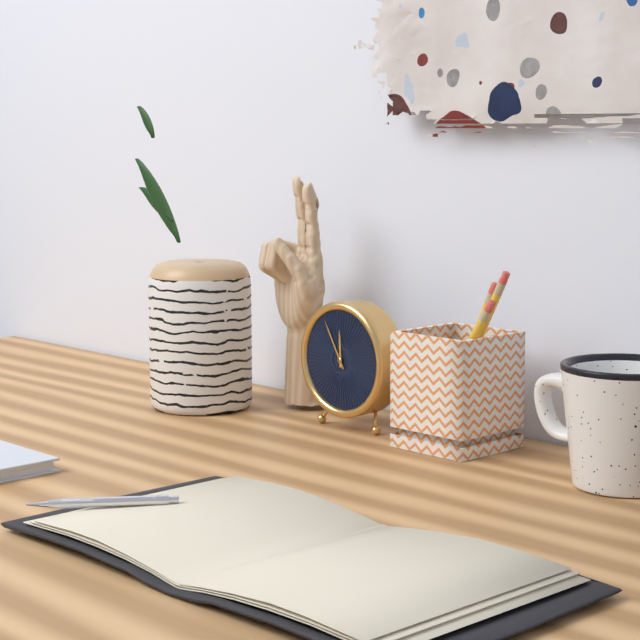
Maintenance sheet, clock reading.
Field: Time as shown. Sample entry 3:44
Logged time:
11:55
